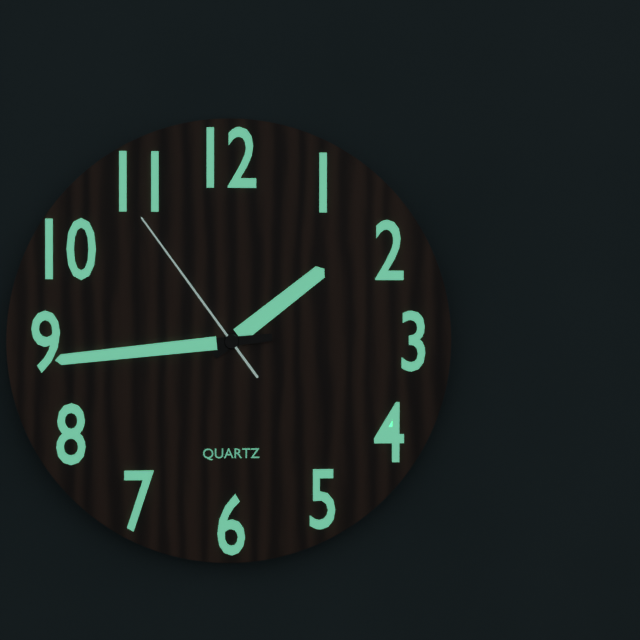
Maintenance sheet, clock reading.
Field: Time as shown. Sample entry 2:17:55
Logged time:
1:44:54
